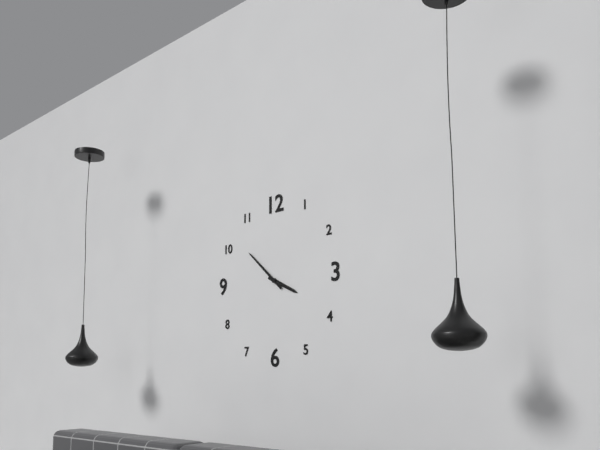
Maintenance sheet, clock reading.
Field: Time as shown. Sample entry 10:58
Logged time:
3:52
